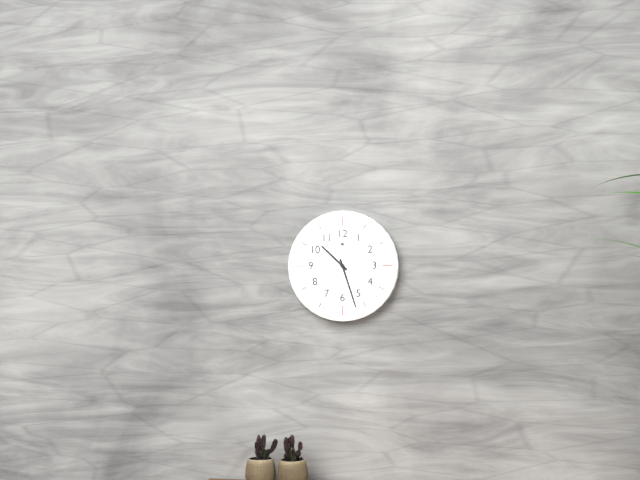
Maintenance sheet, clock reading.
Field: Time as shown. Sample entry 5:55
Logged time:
10:27
